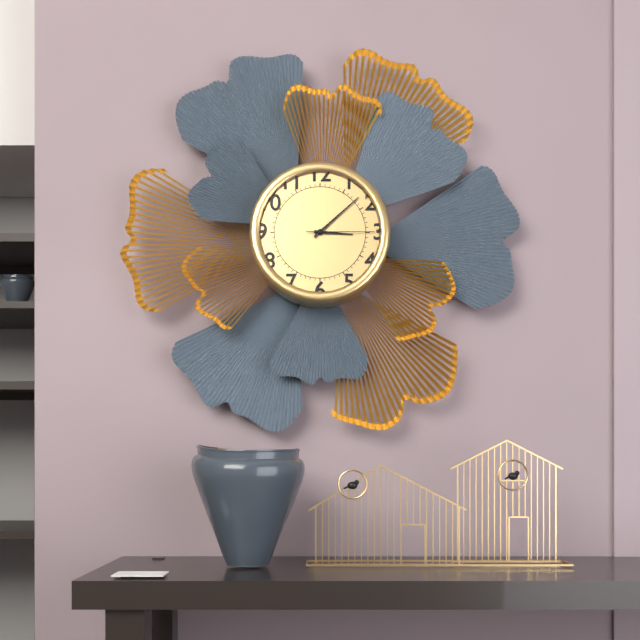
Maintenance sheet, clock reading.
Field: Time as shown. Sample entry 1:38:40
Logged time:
3:08:15
